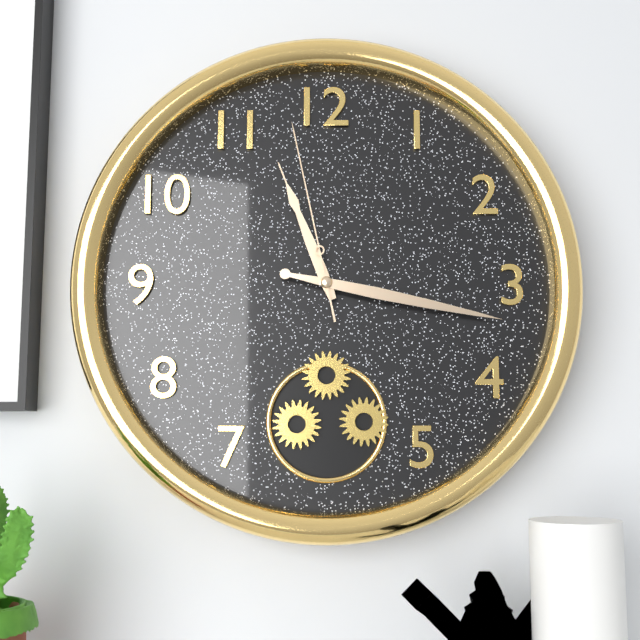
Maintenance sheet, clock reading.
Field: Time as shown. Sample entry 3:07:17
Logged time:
11:17:58
